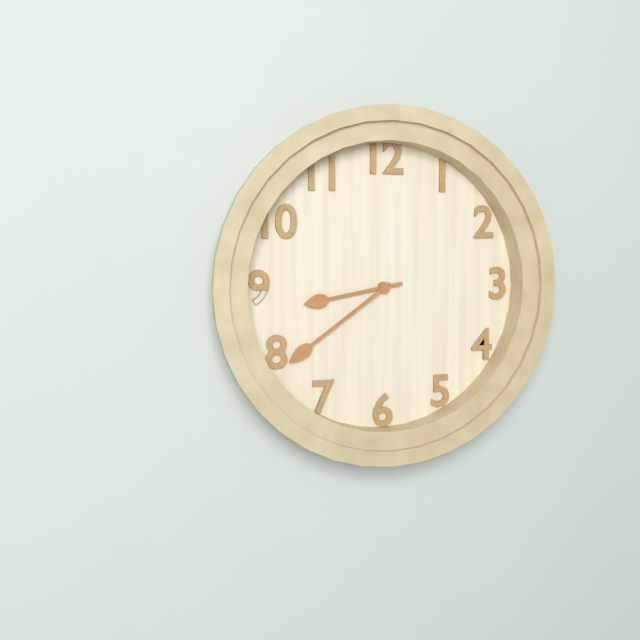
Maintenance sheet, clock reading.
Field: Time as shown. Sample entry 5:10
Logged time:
8:39
